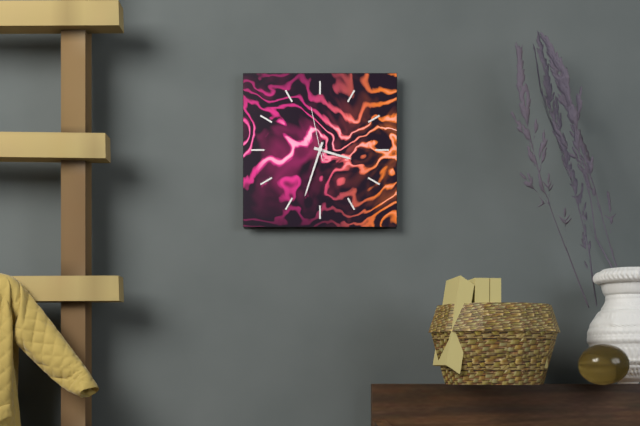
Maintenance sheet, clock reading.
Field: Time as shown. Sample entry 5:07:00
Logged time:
3:33:58
